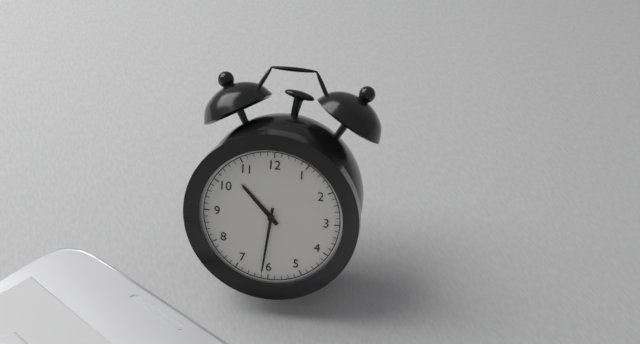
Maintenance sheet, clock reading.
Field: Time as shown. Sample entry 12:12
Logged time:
10:31
